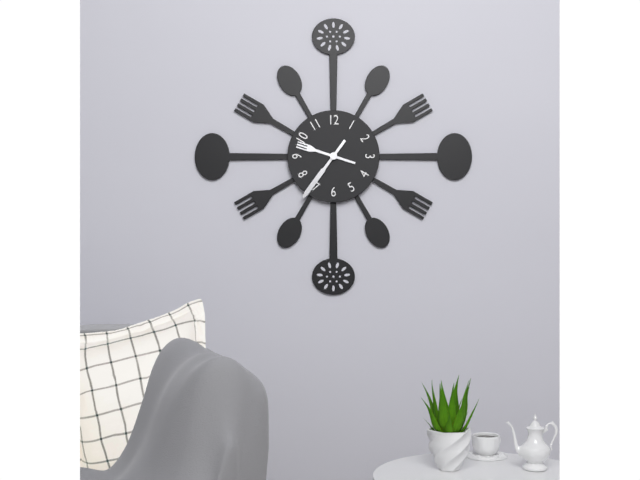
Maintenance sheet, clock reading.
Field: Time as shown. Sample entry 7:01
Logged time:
9:36
